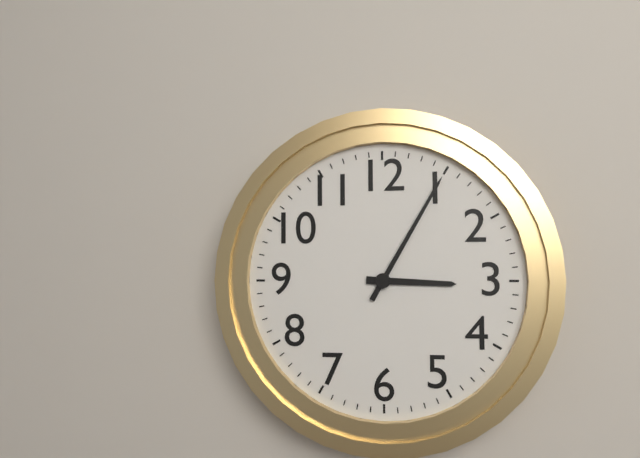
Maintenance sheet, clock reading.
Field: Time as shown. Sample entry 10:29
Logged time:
3:05
